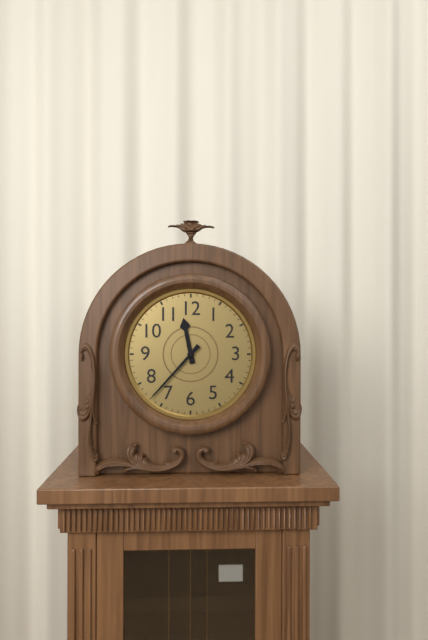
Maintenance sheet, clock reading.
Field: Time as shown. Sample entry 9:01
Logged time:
11:37
